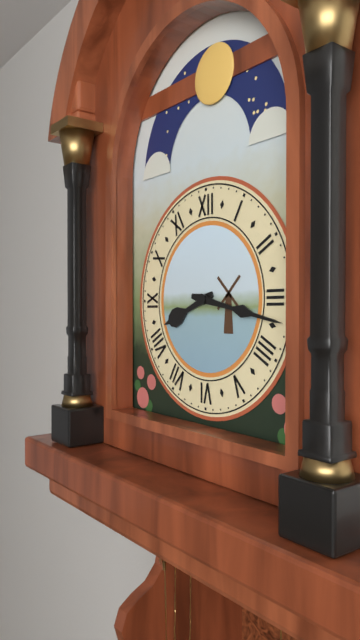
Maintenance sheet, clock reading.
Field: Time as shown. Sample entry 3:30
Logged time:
8:17
